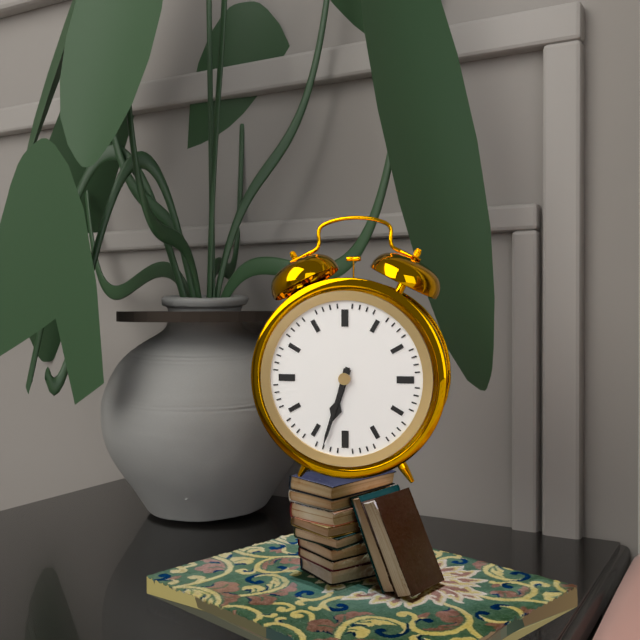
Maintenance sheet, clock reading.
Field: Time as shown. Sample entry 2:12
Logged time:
6:33
